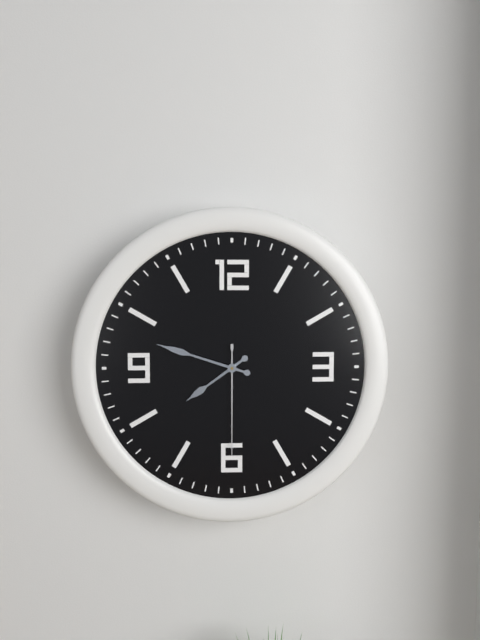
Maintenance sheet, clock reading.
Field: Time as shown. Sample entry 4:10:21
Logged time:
7:48:30
